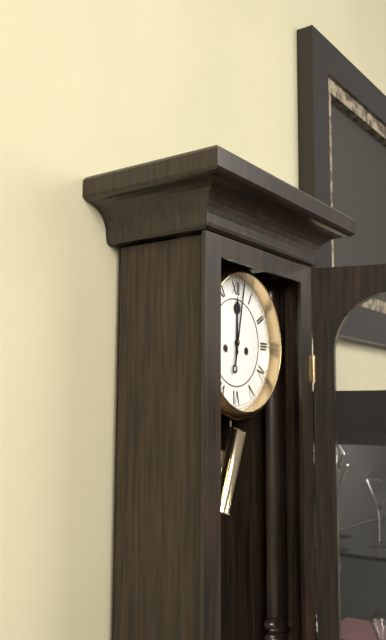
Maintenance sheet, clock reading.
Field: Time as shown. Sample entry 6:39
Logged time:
12:02
